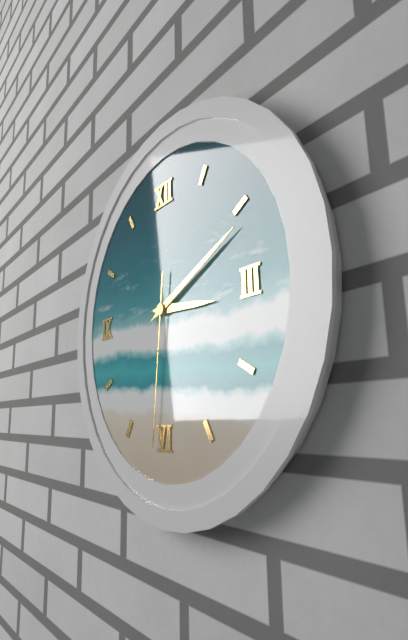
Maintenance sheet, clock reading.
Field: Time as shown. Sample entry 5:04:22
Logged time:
3:11:31
